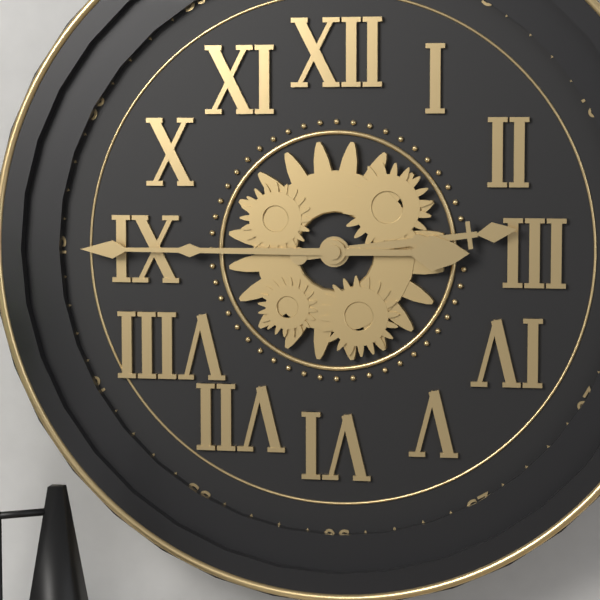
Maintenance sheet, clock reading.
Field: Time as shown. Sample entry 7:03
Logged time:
2:45
